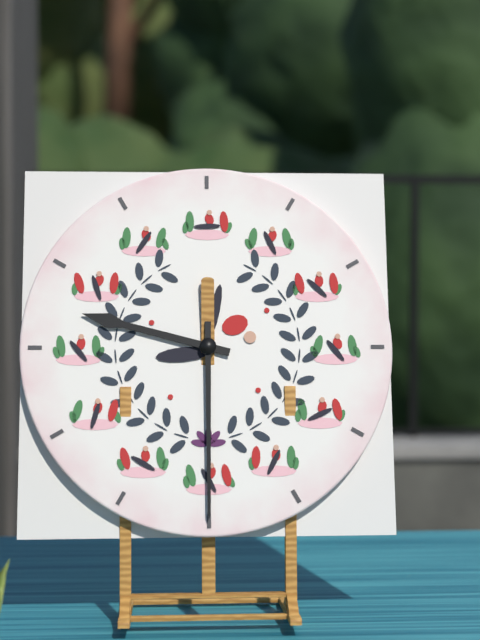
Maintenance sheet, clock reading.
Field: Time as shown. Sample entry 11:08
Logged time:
9:30
